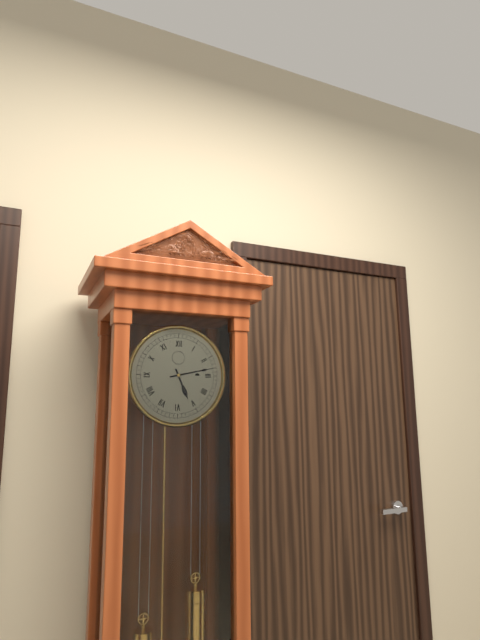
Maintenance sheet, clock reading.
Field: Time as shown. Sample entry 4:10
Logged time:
5:13
